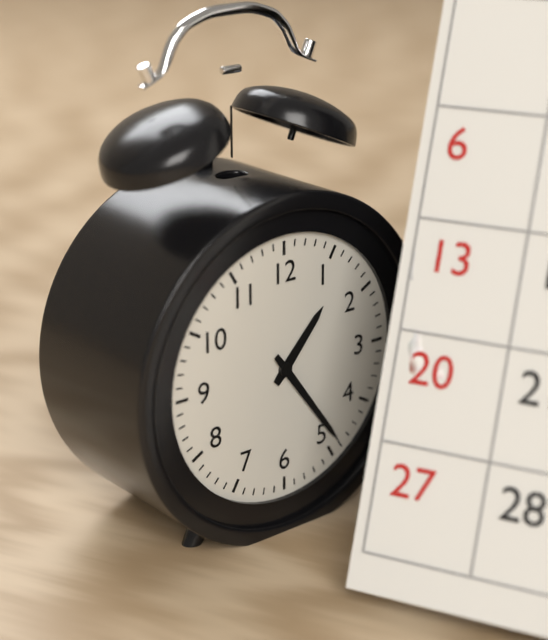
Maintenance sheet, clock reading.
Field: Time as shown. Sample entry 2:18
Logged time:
1:24
